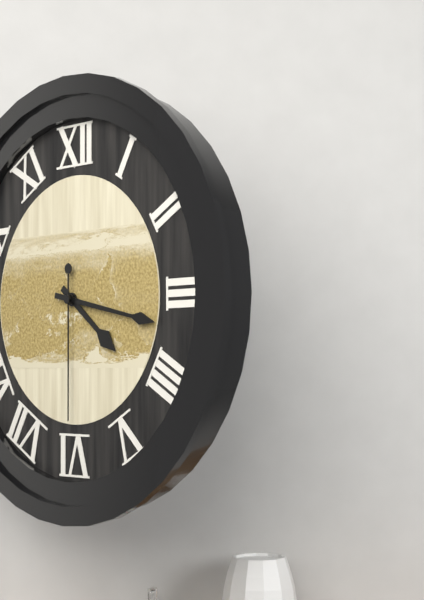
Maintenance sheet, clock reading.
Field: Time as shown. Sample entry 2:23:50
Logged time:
4:17:30
